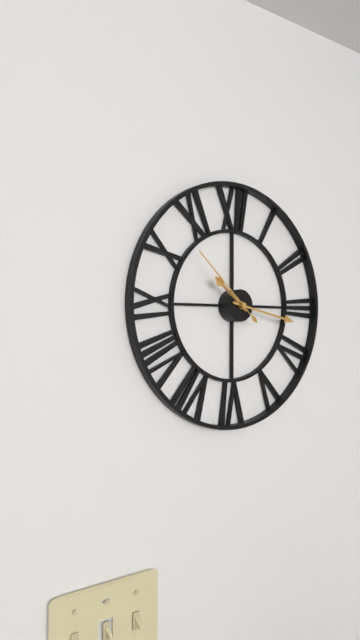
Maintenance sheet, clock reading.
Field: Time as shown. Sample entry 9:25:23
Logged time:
10:17:52
